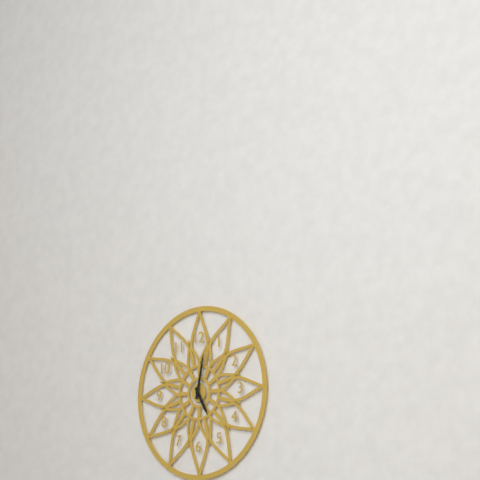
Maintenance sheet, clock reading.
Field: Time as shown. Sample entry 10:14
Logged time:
5:02
